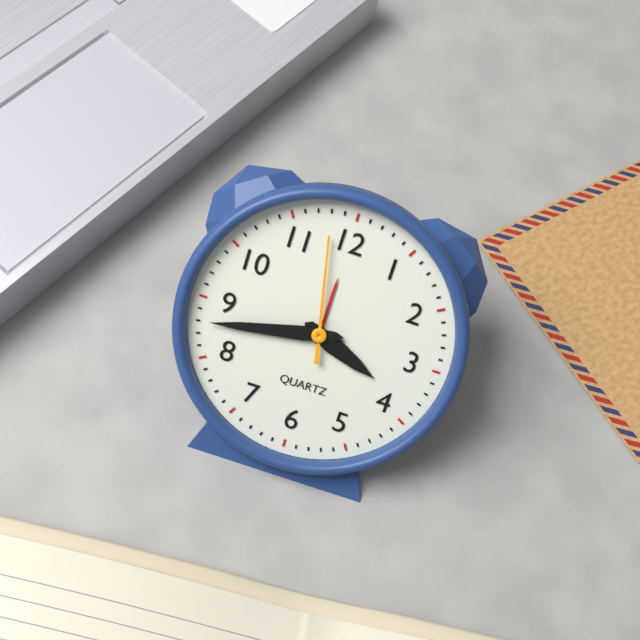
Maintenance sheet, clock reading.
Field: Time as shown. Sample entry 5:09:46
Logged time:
3:43:58
